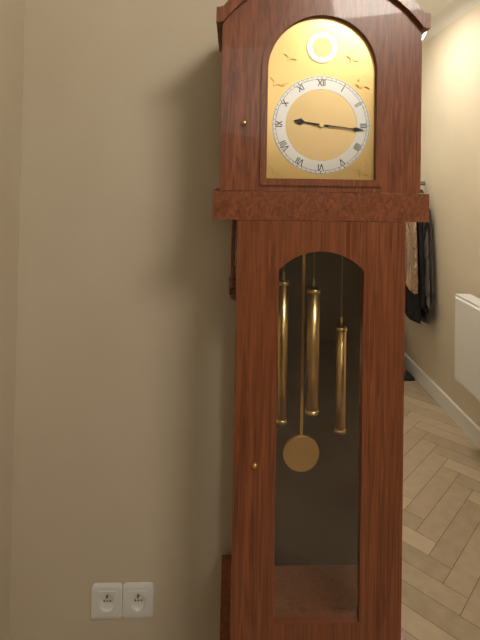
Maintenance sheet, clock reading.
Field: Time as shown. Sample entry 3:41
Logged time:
9:16
